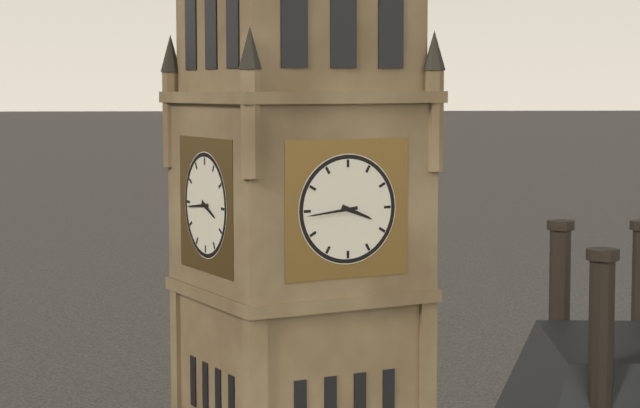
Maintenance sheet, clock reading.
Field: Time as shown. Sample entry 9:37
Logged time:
3:44
